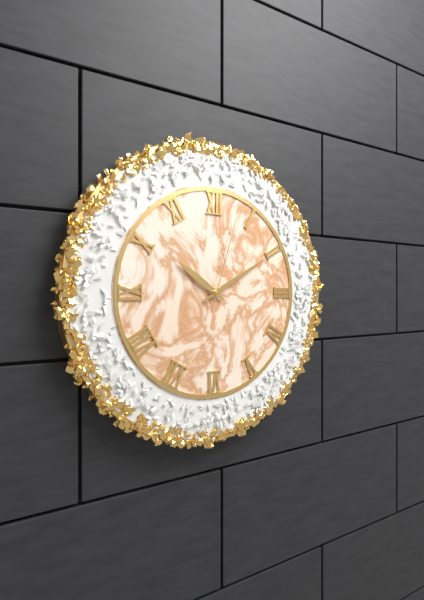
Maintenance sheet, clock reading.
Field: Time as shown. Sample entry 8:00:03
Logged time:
10:10:03
